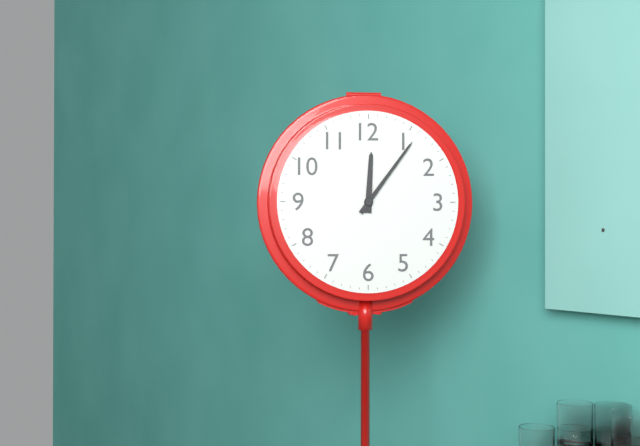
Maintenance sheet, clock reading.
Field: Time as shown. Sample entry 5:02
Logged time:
12:06
